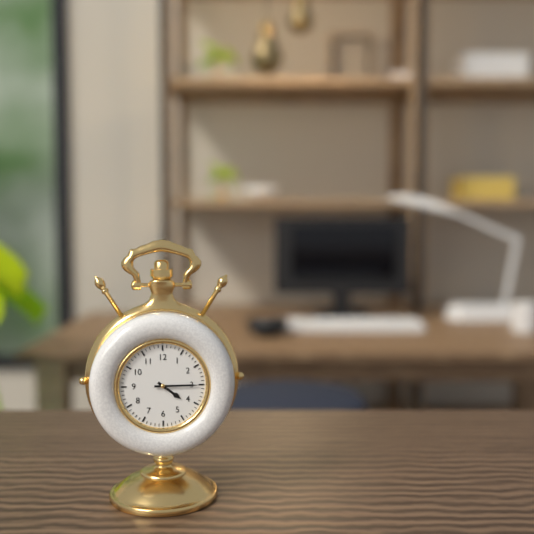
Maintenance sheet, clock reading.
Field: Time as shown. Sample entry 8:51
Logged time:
4:15
